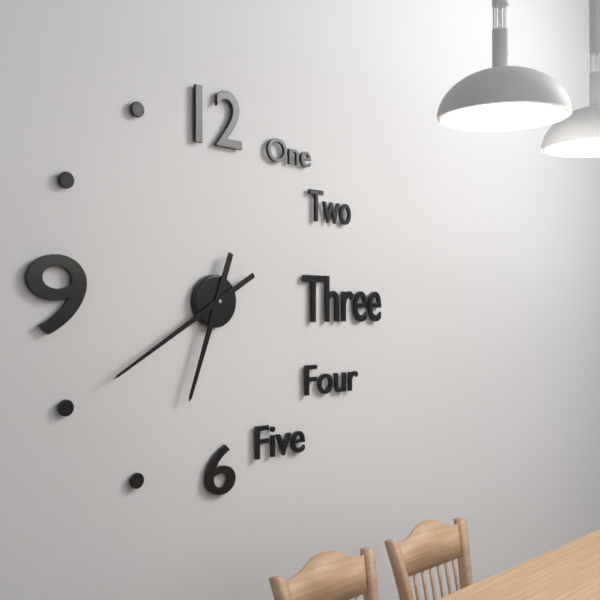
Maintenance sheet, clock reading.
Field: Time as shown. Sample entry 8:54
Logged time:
6:40
